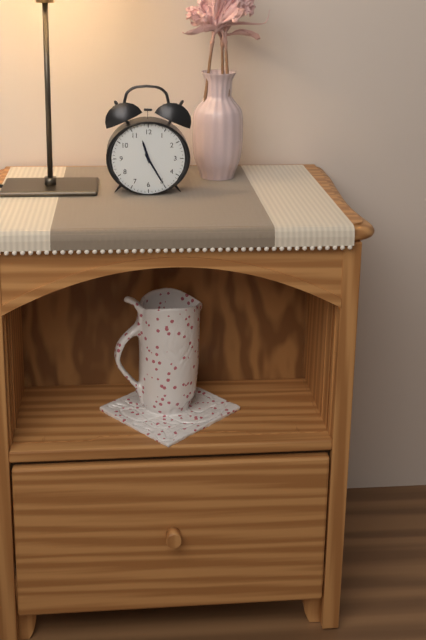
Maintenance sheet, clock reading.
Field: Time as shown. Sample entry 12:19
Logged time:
11:25
